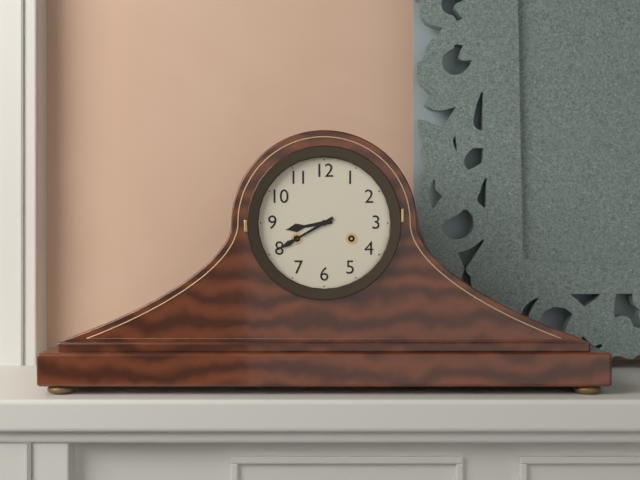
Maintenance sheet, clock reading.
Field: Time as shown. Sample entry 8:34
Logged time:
8:40
